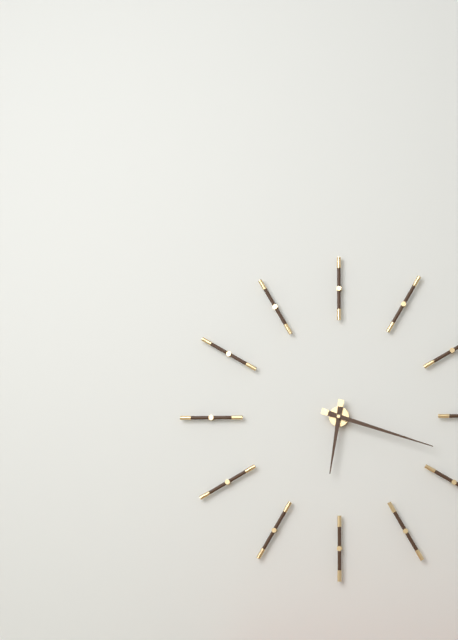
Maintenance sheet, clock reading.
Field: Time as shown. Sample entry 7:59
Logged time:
6:18
